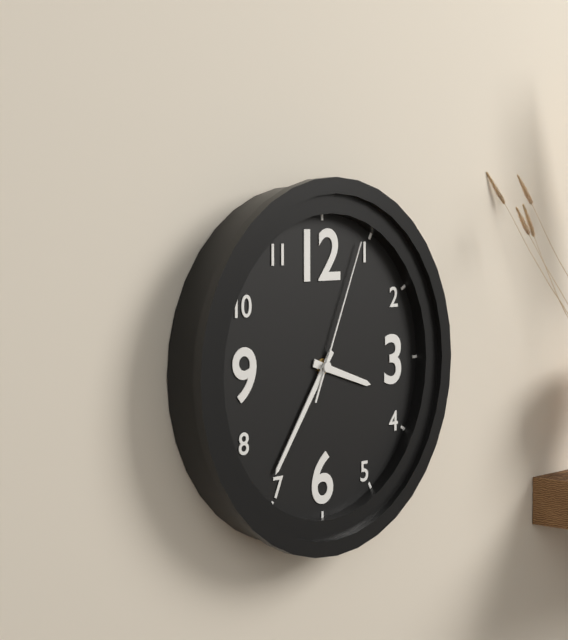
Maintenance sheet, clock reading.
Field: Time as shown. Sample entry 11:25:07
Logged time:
3:36:04
